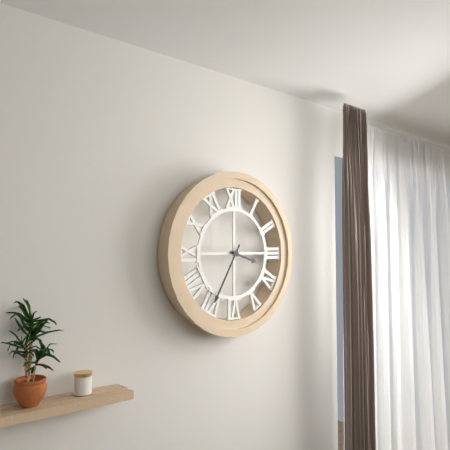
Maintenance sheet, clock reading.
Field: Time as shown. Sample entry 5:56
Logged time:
3:35
